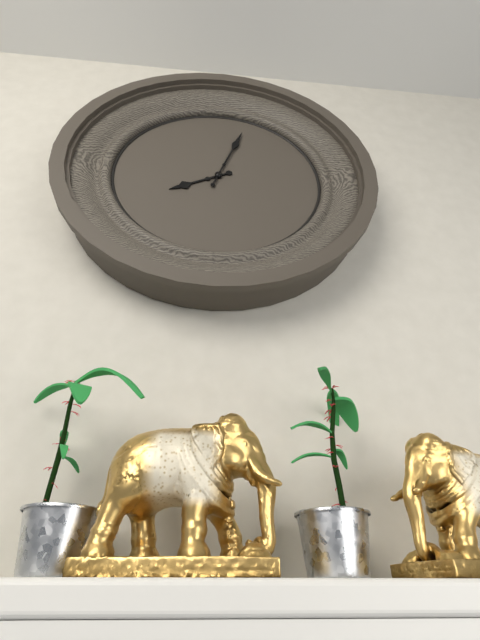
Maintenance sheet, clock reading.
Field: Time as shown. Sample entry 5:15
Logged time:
8:03
